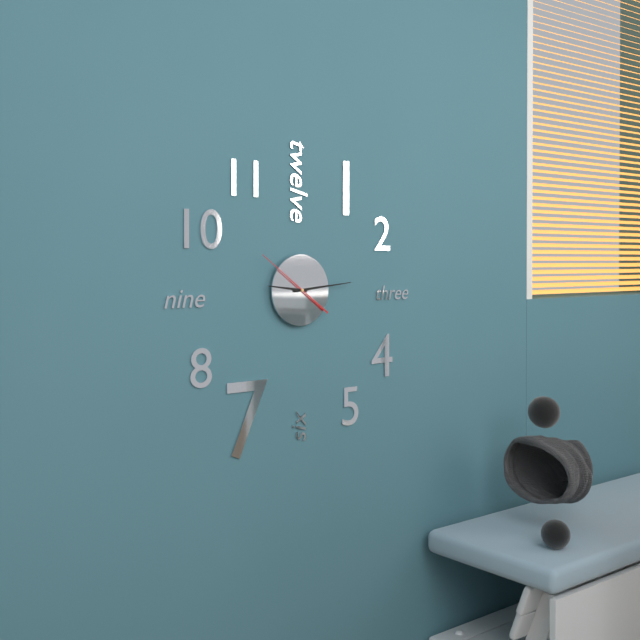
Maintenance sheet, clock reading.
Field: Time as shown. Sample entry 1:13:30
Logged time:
9:14:51
